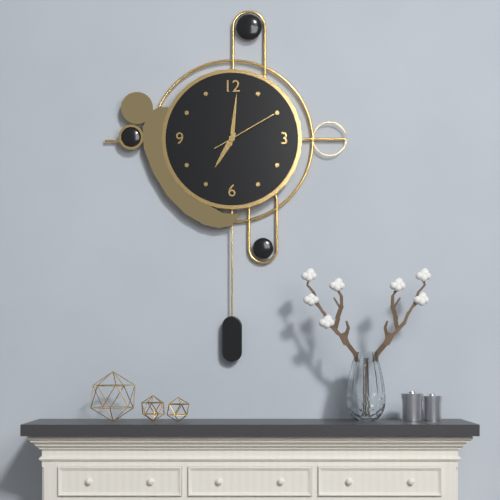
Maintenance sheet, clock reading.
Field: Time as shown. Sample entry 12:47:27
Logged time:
7:01:10
